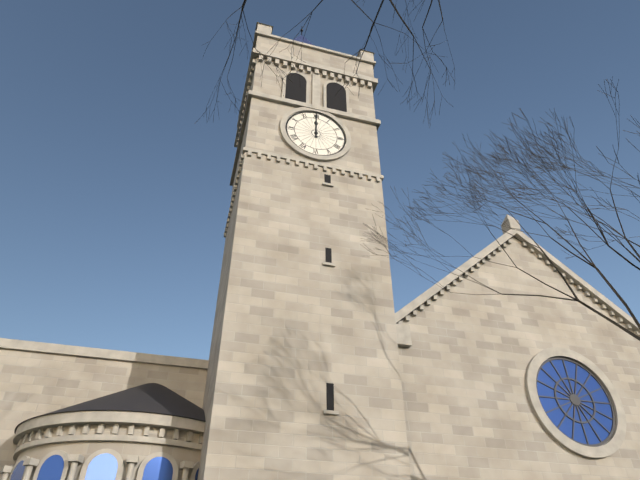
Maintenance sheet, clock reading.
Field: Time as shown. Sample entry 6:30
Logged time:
12:00
